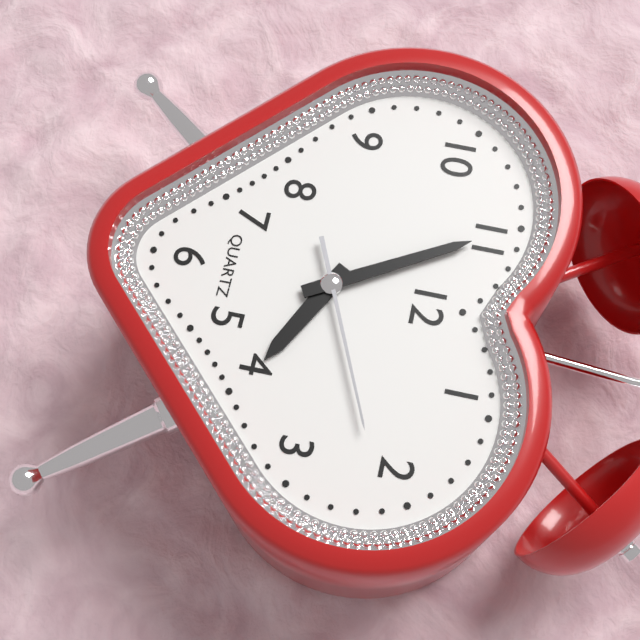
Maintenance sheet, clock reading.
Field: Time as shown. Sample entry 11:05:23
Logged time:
3:55:11
